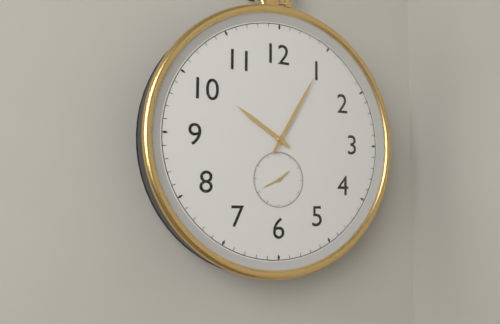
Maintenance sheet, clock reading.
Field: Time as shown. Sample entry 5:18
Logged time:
10:05
